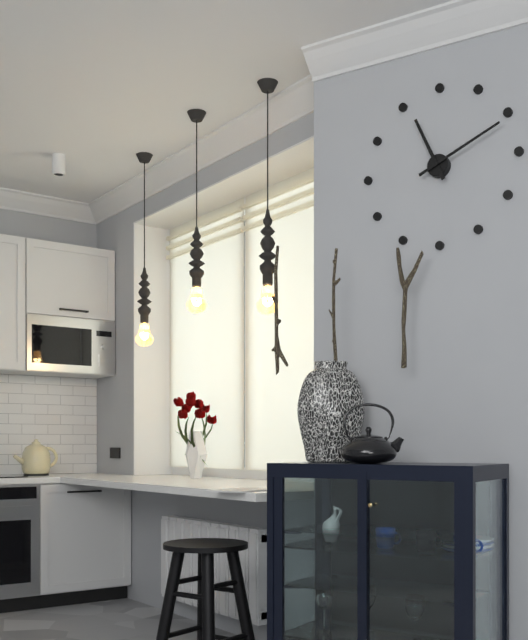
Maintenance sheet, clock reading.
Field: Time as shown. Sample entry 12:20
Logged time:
11:11
